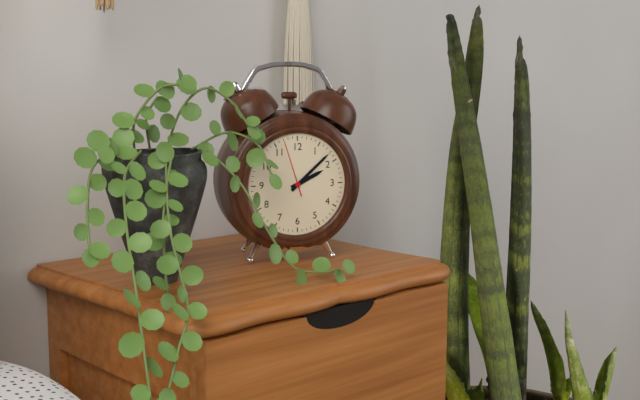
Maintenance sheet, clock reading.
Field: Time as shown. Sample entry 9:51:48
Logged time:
2:08:57
